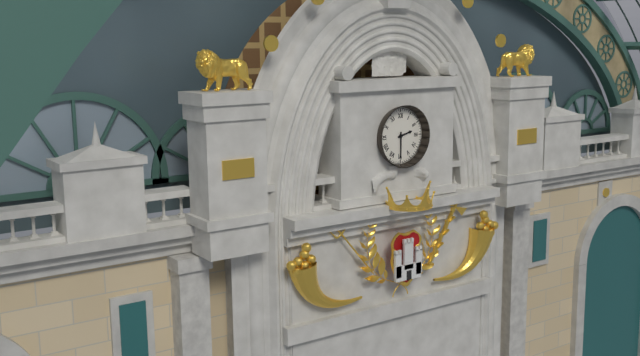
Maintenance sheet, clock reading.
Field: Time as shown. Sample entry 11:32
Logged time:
2:30
